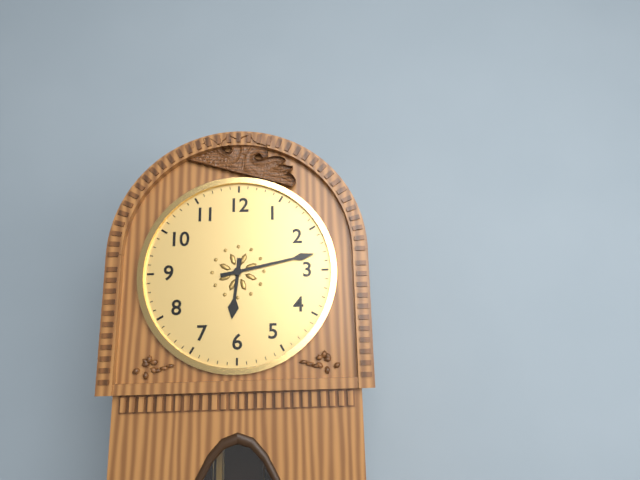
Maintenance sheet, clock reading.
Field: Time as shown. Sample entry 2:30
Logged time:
6:13
